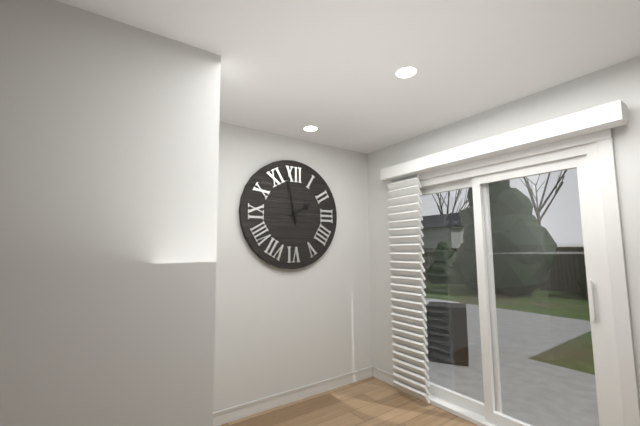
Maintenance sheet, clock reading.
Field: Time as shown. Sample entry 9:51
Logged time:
1:58
